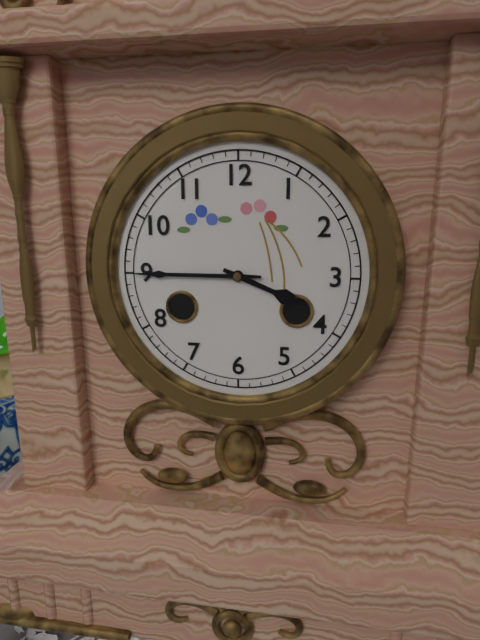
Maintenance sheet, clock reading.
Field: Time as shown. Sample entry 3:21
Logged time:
3:45
